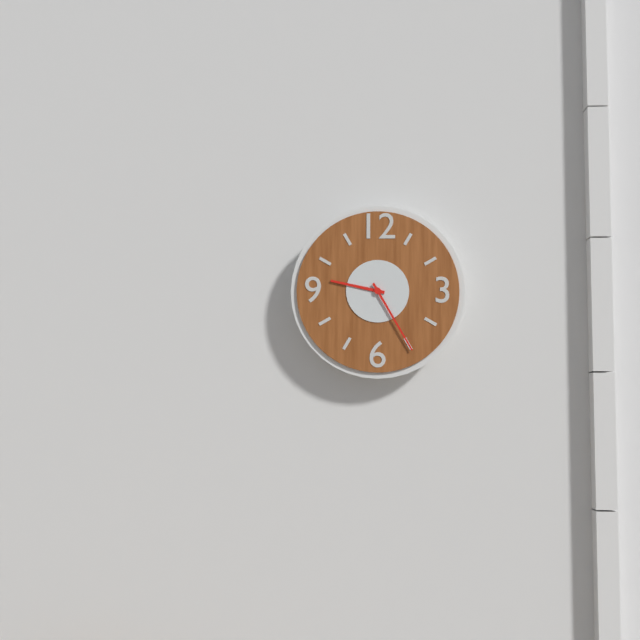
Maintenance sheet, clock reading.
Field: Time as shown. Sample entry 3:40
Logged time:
9:25
